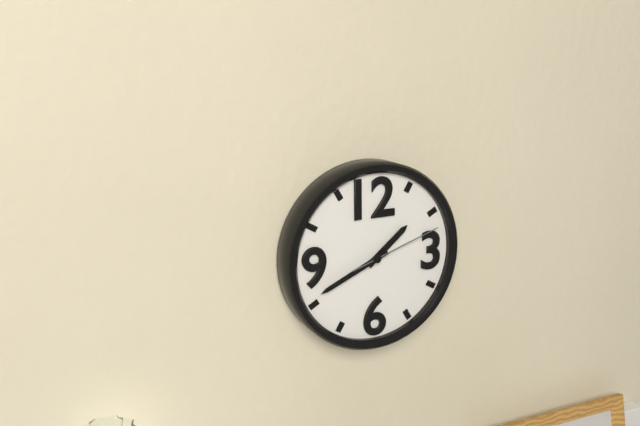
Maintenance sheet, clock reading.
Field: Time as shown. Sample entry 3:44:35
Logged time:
1:41:12
